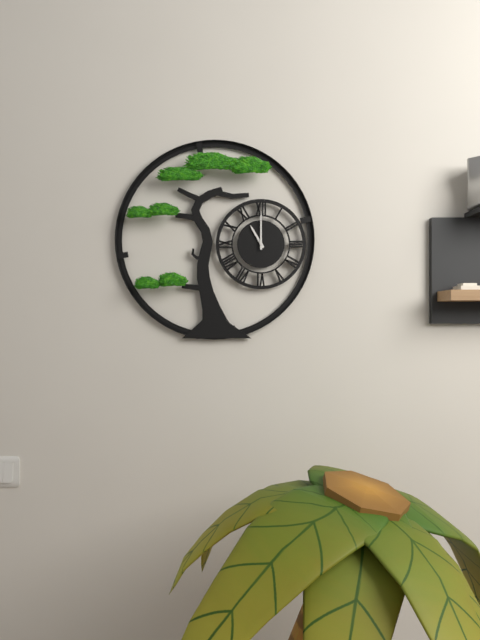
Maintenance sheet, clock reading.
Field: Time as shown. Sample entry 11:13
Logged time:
11:00
